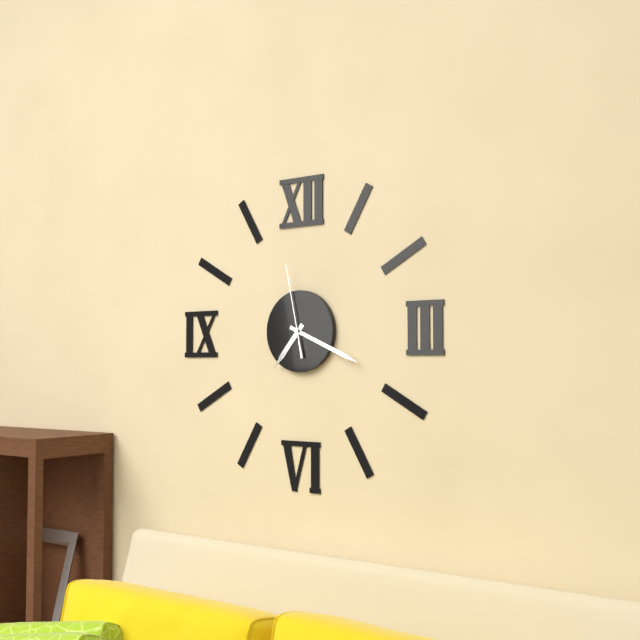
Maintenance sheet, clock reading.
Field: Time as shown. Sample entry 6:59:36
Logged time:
7:19:58
